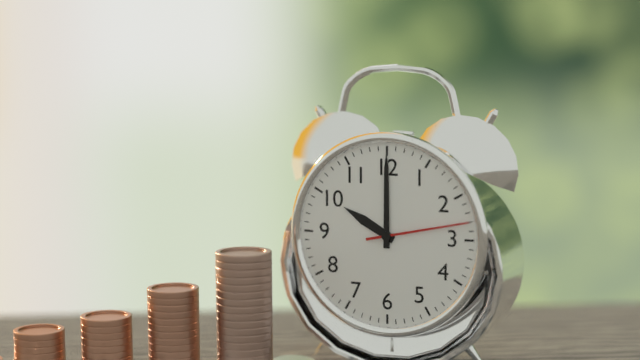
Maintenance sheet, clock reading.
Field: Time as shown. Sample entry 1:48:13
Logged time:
10:00:13
